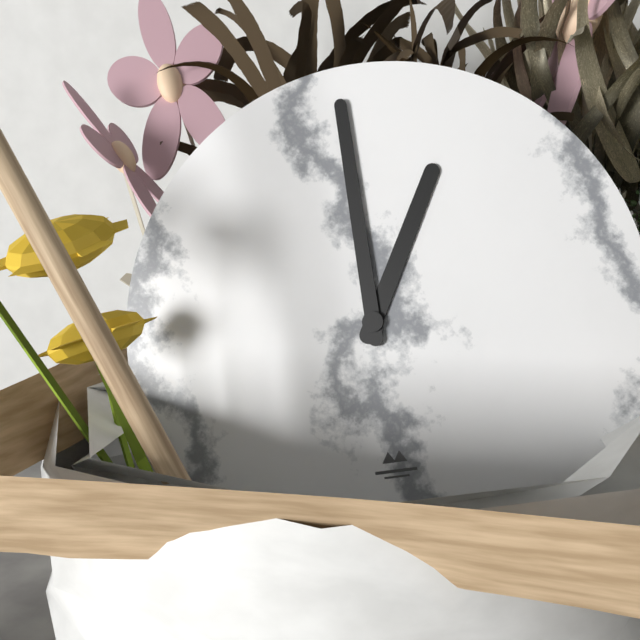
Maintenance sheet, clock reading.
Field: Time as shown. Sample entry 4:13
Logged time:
1:00
